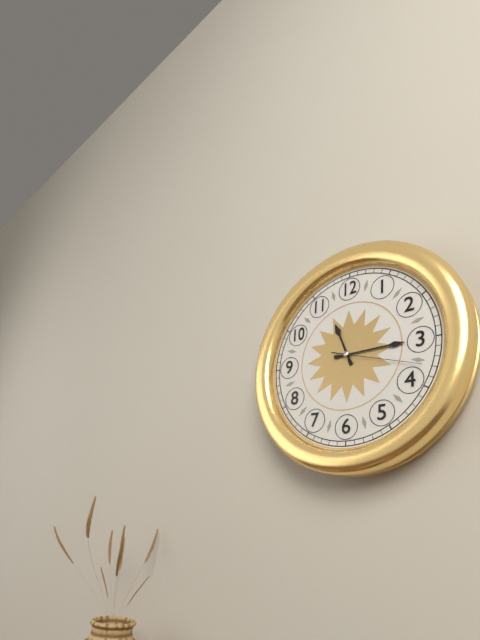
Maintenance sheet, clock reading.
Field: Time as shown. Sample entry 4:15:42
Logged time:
11:15:18
